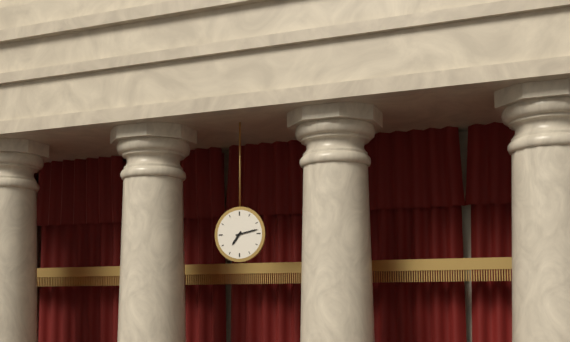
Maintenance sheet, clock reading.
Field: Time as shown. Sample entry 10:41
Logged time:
7:13
